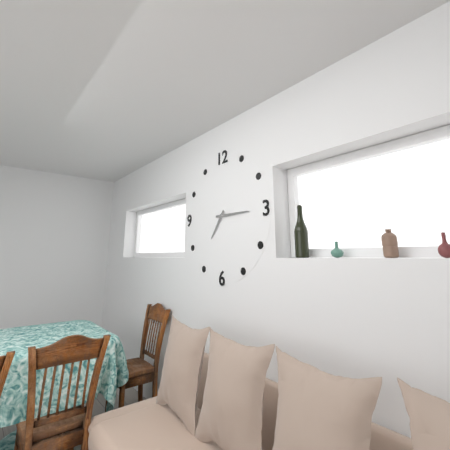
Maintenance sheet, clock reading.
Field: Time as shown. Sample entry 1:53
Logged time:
7:15
